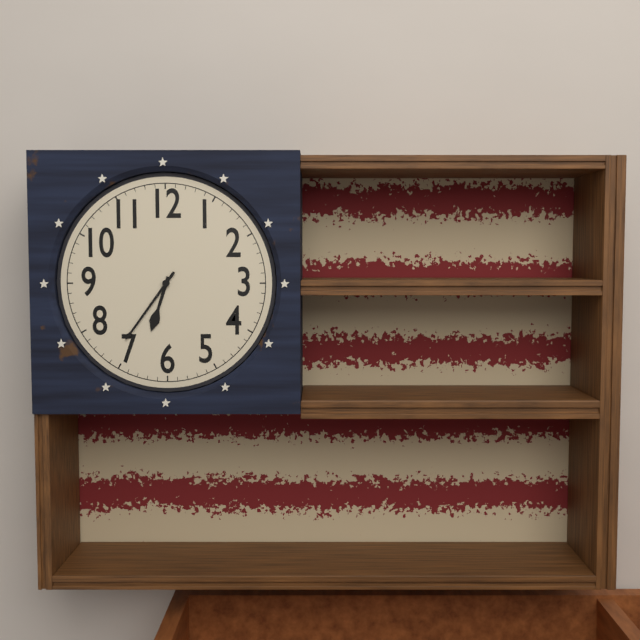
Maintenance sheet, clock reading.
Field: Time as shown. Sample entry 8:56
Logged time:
6:36
